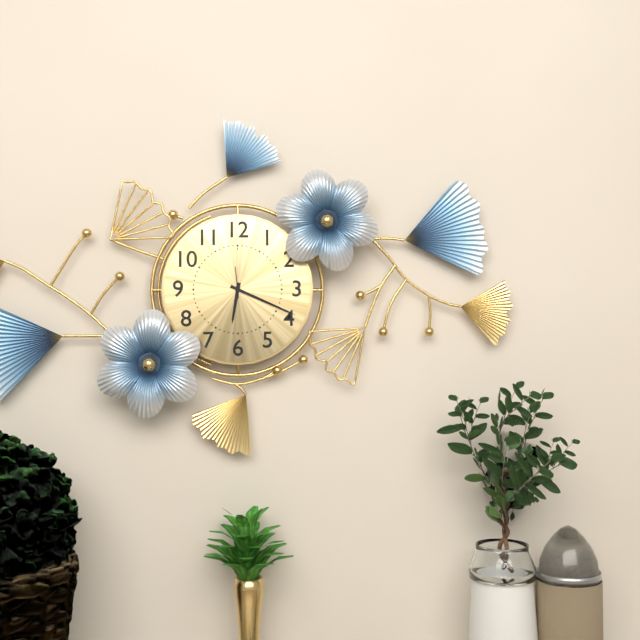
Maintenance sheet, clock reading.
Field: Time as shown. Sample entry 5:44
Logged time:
6:19
